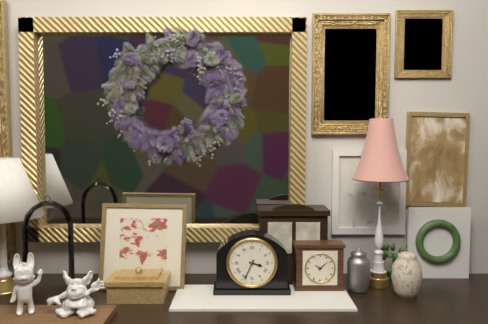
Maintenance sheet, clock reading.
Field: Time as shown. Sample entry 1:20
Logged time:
3:34
